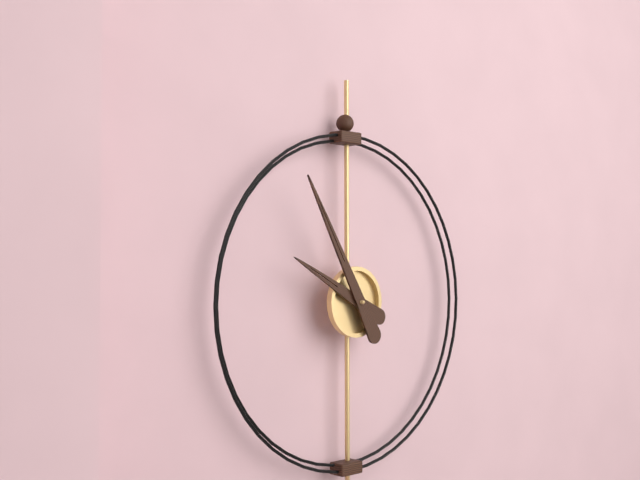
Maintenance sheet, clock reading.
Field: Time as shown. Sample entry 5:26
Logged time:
9:55
